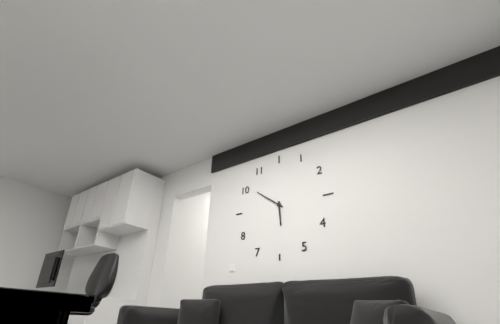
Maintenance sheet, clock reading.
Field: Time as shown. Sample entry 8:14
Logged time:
5:51
